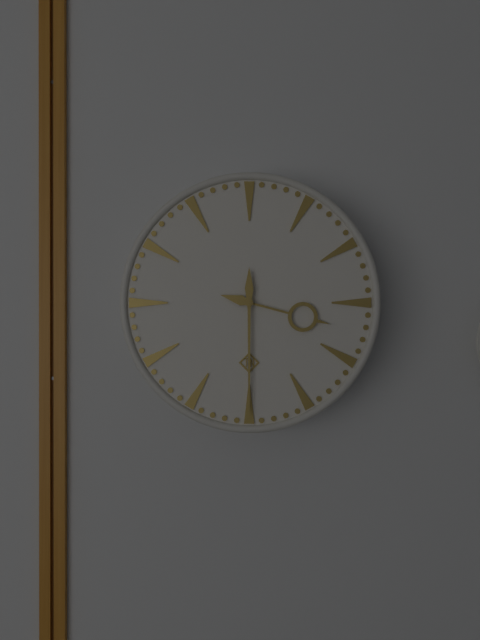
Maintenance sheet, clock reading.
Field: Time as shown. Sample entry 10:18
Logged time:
3:30
